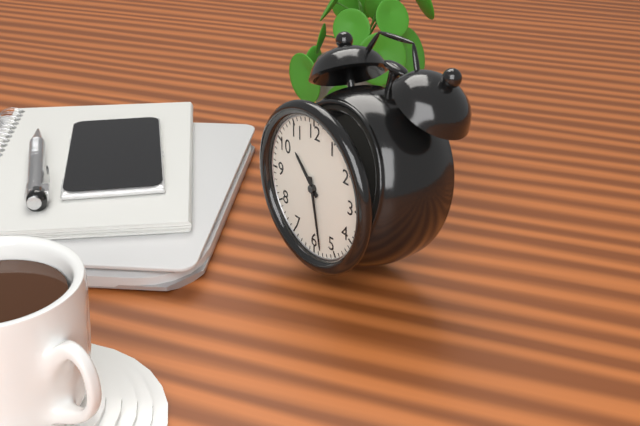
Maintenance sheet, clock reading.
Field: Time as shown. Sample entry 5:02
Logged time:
10:28
